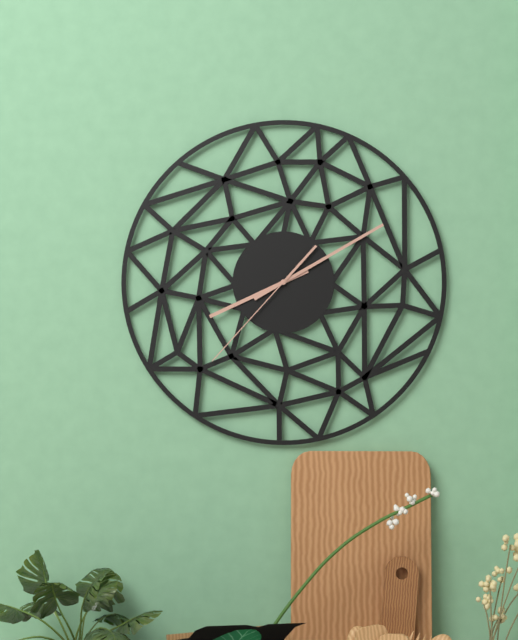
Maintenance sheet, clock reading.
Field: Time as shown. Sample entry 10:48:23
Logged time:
8:10:37
